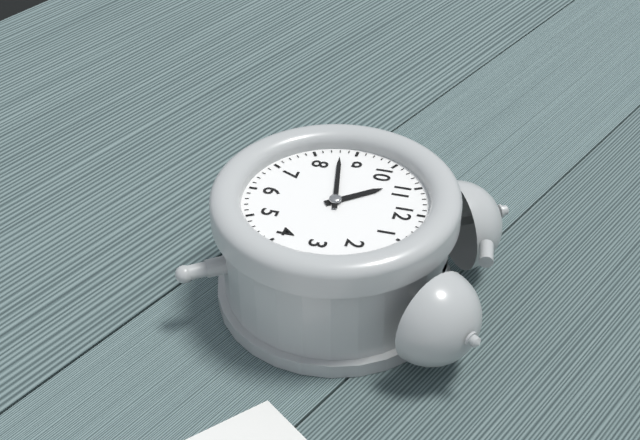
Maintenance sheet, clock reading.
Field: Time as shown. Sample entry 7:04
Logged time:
10:43
